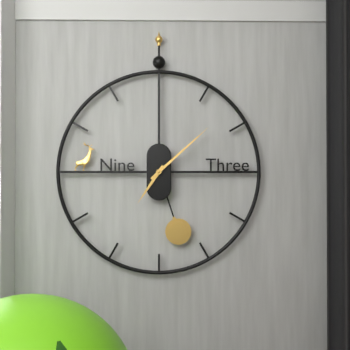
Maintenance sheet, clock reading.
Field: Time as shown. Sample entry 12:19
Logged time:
7:08
